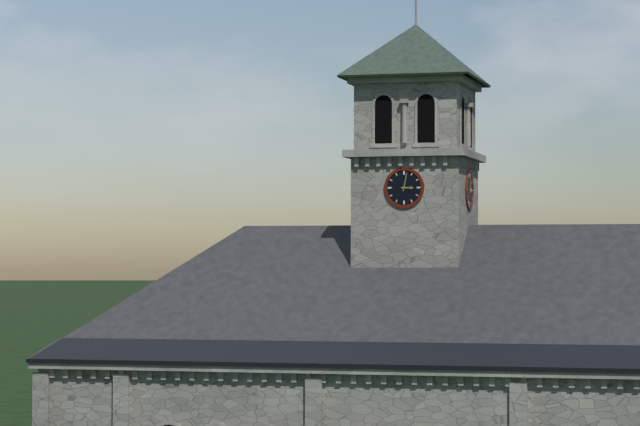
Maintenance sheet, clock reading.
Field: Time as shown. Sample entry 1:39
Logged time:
3:02
